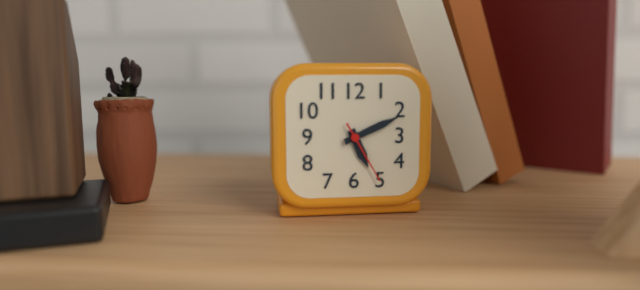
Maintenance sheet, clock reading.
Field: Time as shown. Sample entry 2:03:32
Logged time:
5:11:25
